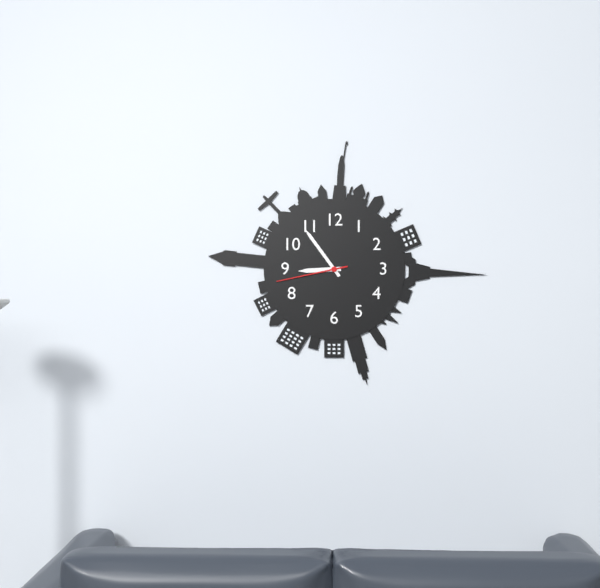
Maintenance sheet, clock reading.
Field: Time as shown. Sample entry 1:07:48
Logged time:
8:54:43
